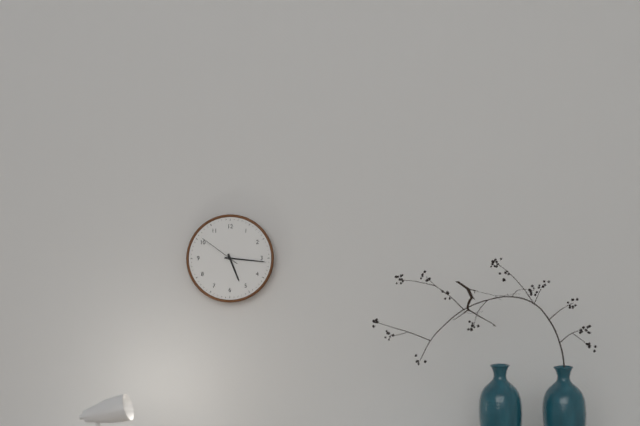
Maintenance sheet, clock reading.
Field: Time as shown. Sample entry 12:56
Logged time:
5:16
